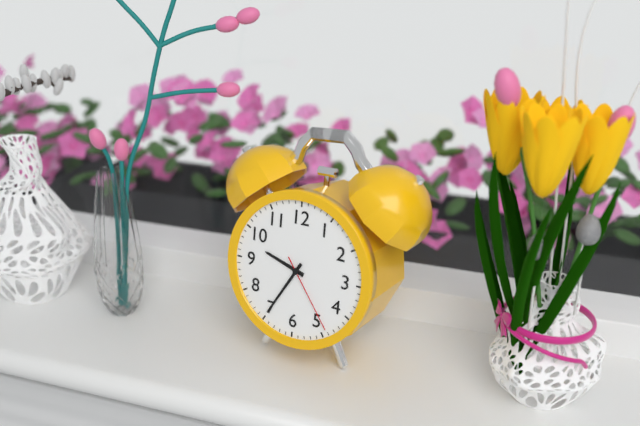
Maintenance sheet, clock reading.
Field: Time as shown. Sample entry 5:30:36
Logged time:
9:35:24
